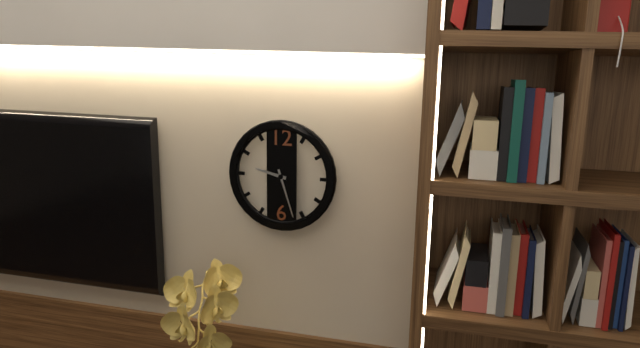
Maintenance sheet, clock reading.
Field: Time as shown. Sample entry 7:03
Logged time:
9:27
